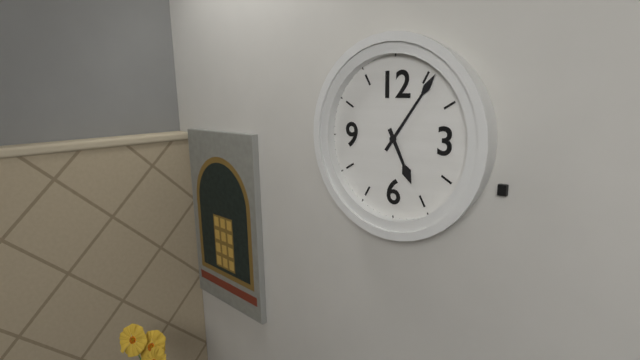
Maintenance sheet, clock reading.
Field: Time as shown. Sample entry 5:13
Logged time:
5:06
